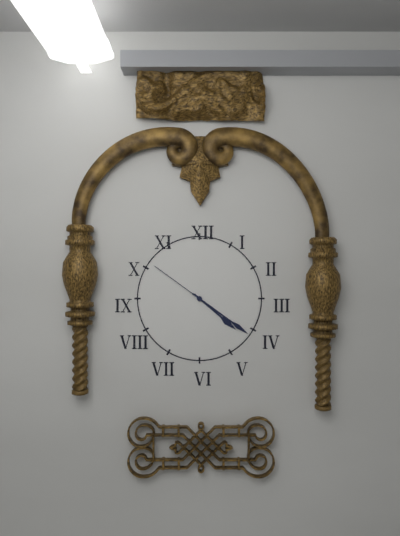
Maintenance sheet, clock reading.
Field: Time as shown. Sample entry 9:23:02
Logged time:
4:21:51
